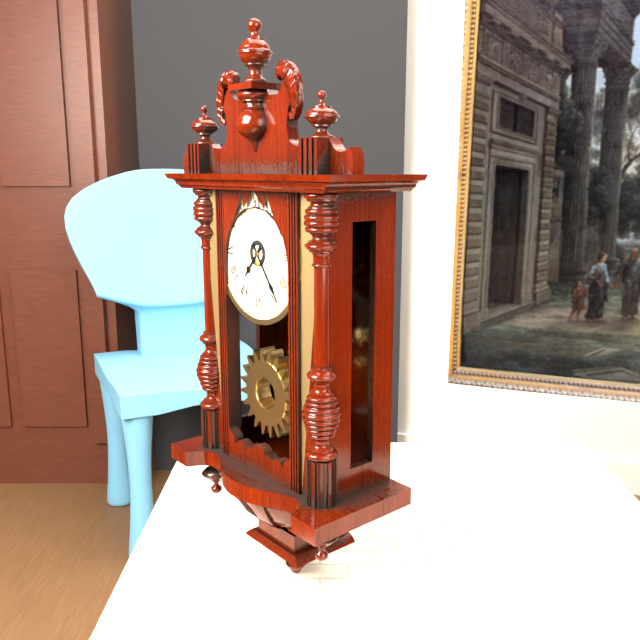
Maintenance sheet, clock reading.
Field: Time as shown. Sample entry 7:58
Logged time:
7:24
